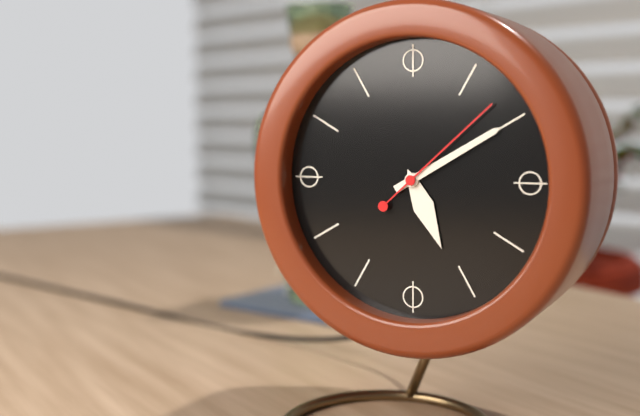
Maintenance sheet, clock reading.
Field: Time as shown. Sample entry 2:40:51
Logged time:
5:10:08
